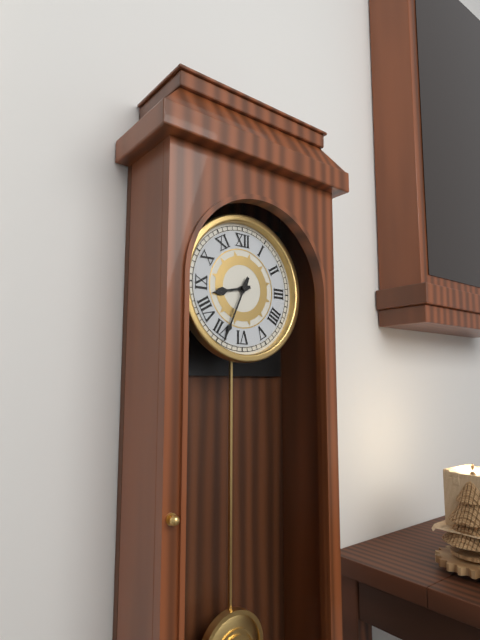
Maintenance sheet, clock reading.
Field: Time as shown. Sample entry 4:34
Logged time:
8:34
